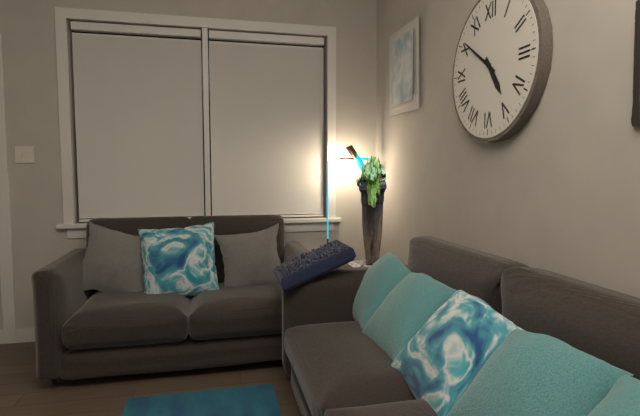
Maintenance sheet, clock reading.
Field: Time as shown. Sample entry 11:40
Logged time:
4:51
